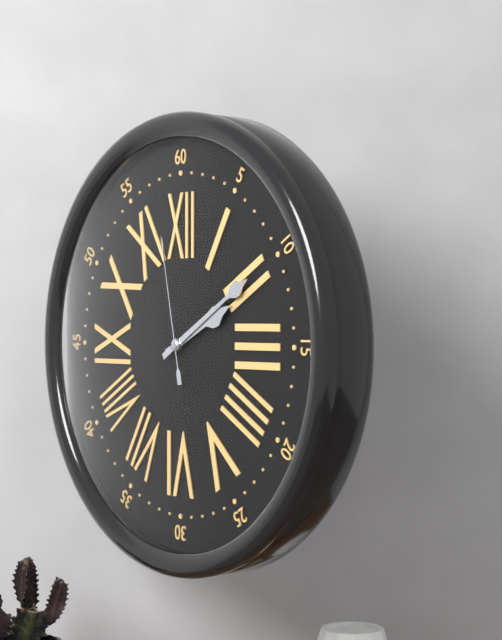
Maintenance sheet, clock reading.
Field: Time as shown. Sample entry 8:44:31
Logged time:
2:10:58
